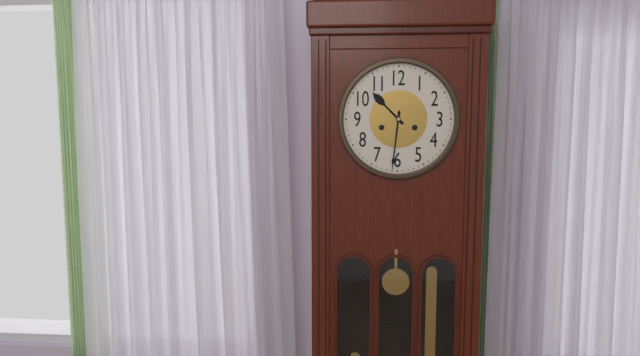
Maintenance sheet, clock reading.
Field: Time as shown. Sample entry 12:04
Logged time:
10:31
